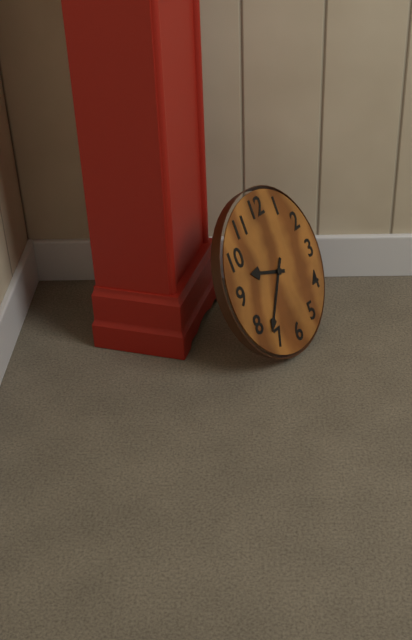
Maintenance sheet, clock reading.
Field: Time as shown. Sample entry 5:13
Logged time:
9:37
